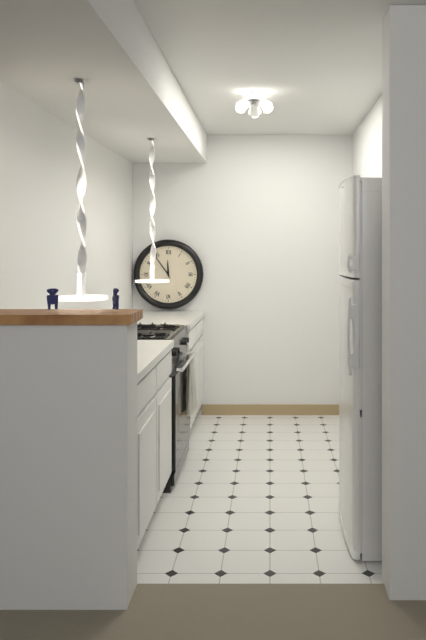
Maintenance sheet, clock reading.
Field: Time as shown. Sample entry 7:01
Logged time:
11:54
